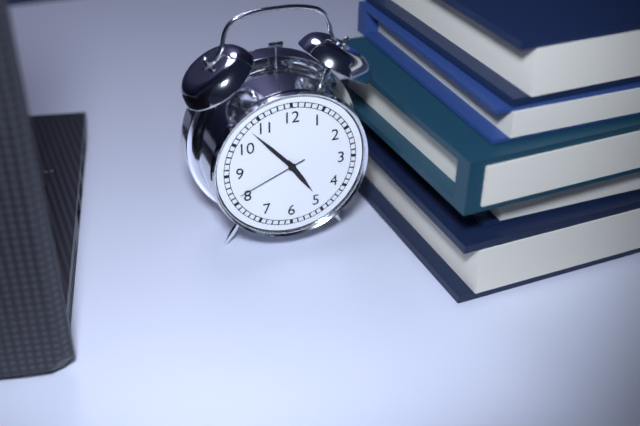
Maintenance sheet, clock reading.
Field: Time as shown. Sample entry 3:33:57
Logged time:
4:53:41
